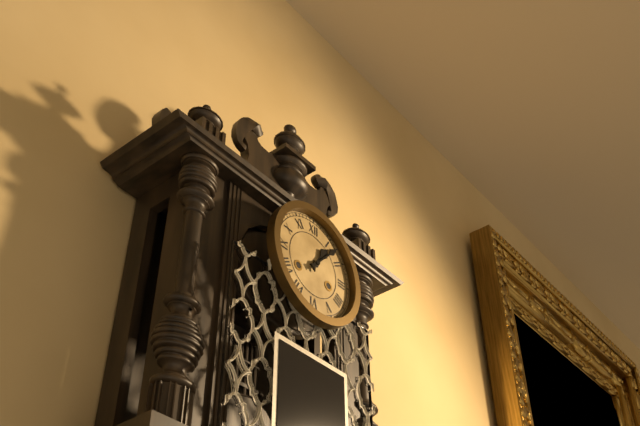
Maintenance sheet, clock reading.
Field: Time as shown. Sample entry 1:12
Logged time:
1:07
